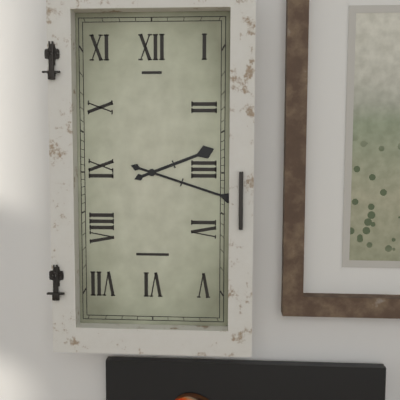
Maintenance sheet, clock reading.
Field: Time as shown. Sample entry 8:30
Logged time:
2:18
